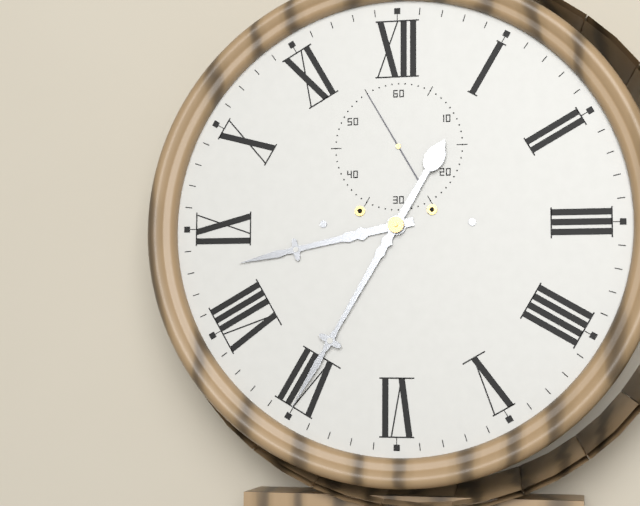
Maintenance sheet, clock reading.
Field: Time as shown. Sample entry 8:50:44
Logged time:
8:35:55
